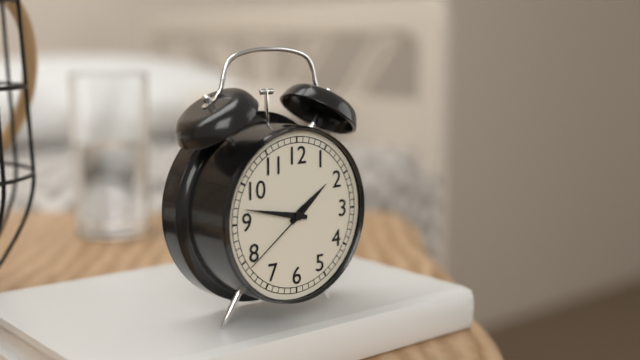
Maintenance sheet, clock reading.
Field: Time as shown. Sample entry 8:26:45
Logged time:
1:47:39
